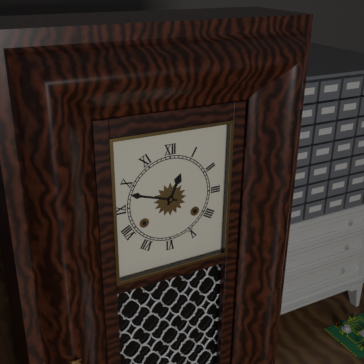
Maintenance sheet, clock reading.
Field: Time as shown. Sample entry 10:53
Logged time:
12:48
